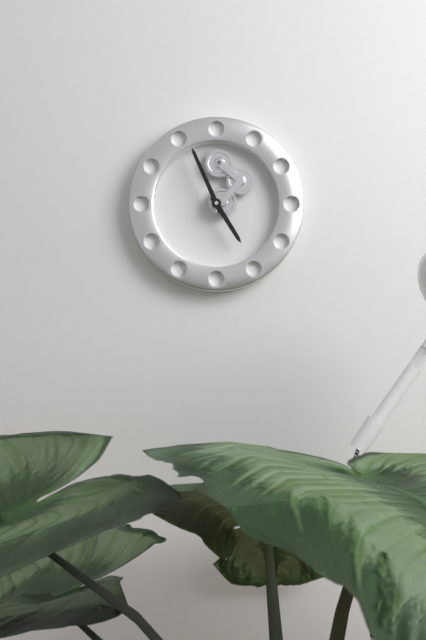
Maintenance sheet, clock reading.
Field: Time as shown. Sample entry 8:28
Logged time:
4:56
